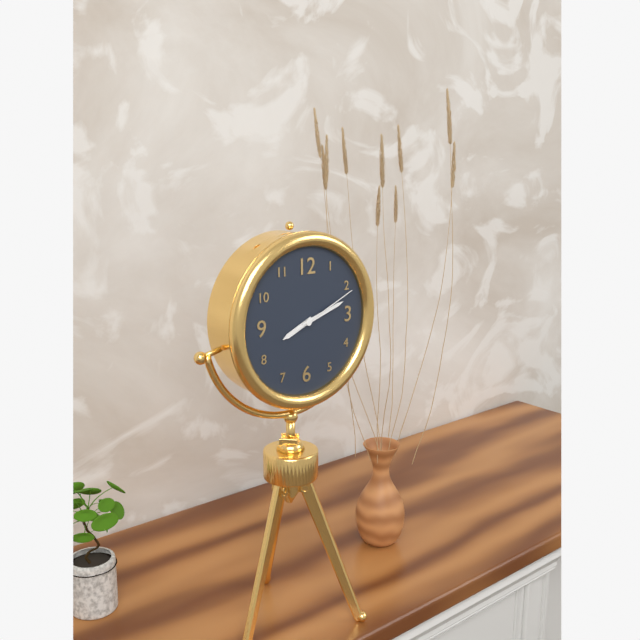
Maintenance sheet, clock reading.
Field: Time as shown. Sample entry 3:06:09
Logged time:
8:12:11
